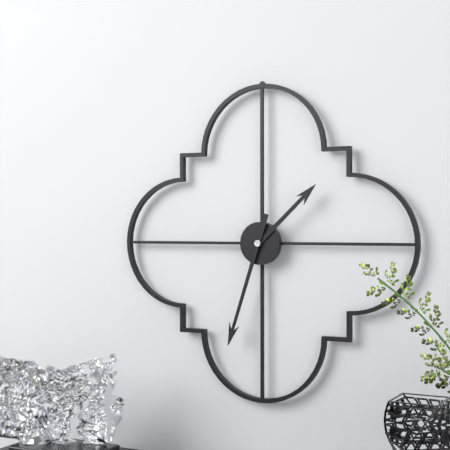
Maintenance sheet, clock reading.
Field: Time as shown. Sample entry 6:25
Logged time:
1:33
